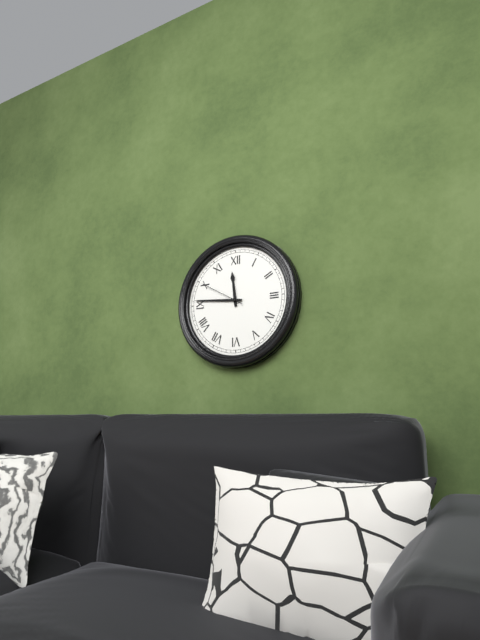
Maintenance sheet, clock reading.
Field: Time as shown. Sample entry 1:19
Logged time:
11:46
